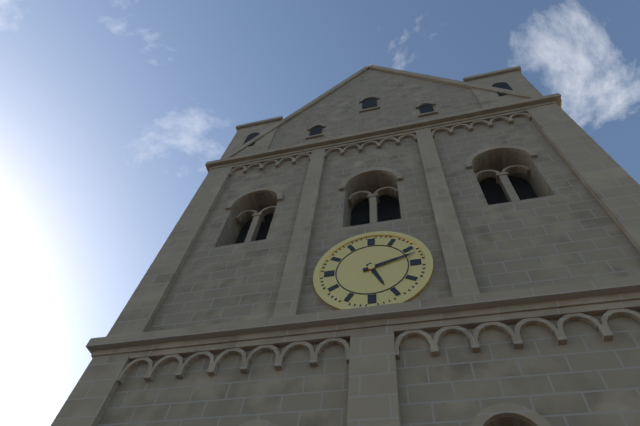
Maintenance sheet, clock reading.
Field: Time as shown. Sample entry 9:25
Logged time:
5:12
